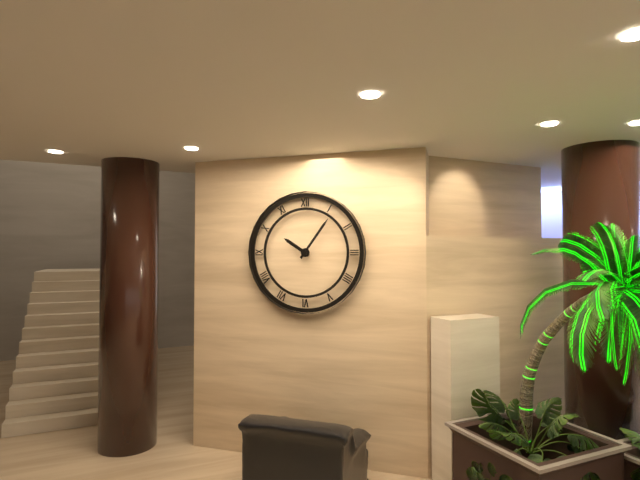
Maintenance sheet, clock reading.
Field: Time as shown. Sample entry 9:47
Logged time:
10:06
